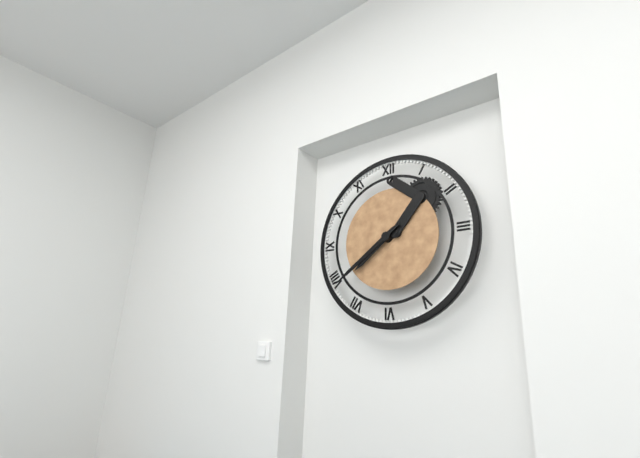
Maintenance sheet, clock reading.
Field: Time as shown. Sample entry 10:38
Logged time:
7:39
